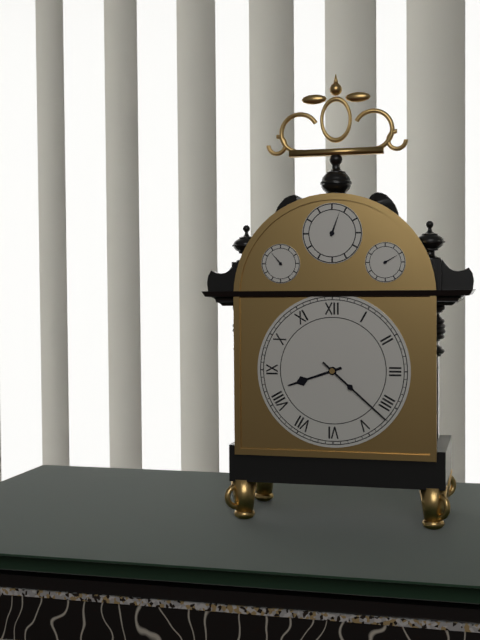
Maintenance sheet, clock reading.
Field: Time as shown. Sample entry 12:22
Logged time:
8:22
